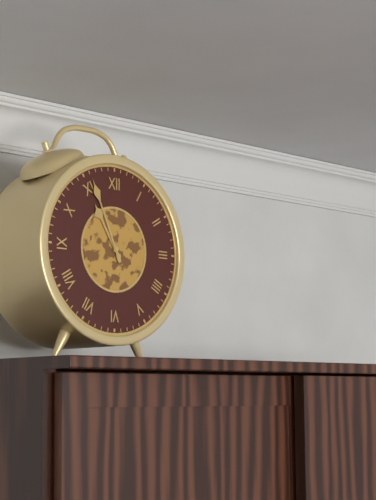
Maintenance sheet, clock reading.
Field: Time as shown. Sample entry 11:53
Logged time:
10:56
